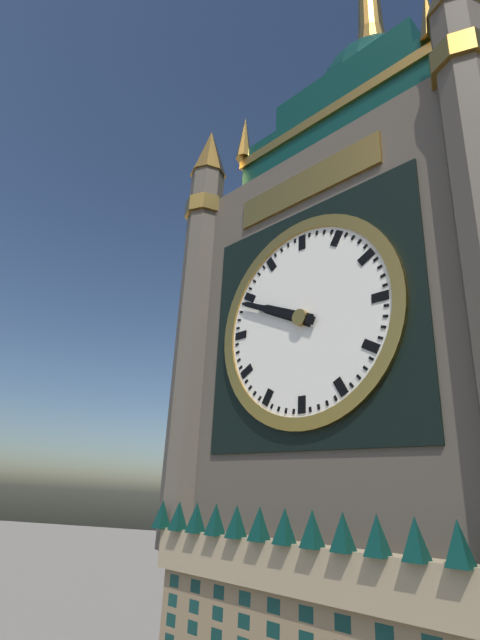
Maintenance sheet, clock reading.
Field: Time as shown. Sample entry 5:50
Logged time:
9:49
